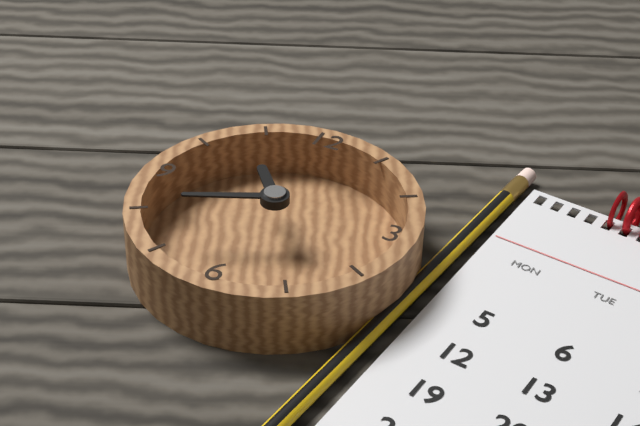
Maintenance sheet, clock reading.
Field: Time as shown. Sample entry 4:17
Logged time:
10:41
